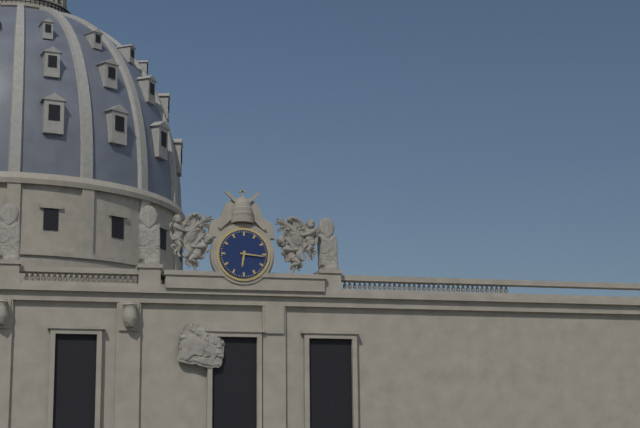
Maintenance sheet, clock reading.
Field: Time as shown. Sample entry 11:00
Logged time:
6:16
